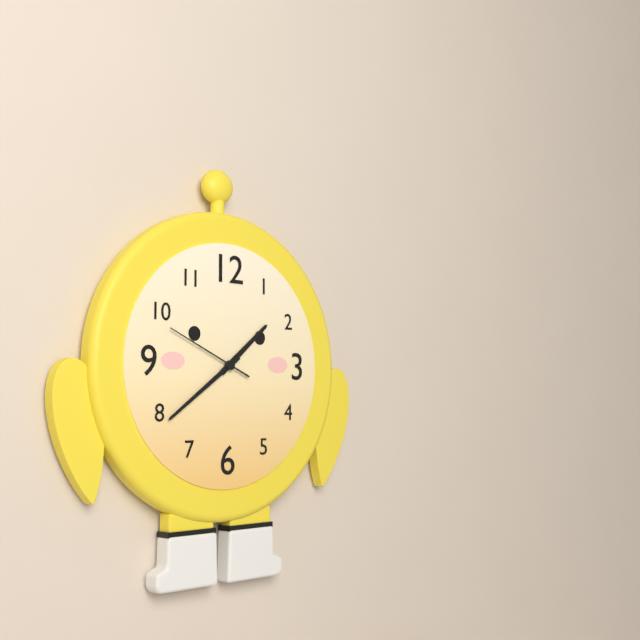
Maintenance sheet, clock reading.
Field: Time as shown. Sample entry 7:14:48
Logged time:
1:39:49
